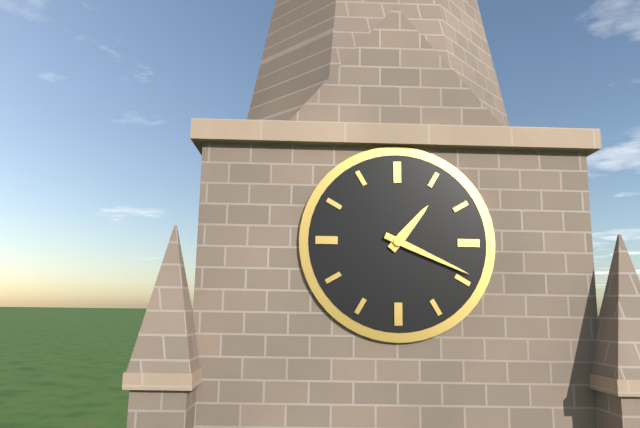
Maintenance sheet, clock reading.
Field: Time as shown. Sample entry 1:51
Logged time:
1:19
